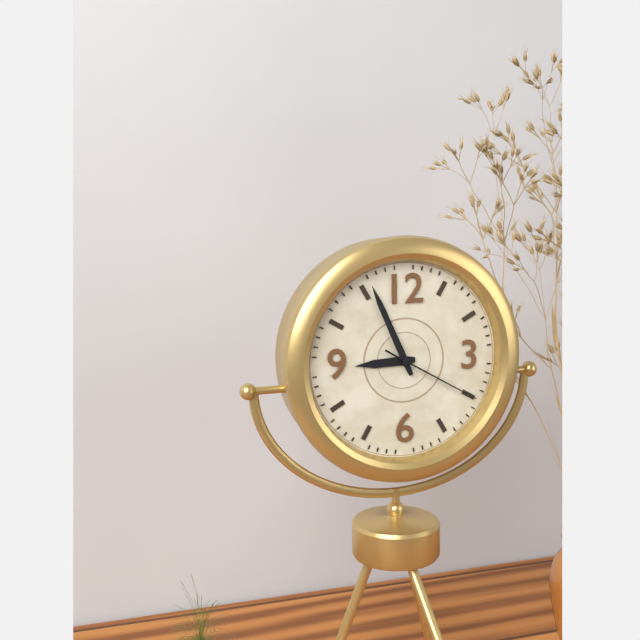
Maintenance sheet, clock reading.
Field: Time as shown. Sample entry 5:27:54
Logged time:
8:56:20
